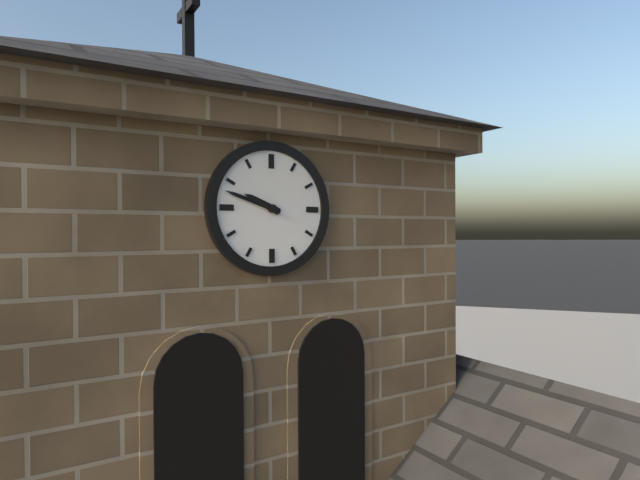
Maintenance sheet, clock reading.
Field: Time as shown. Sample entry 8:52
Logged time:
9:48
